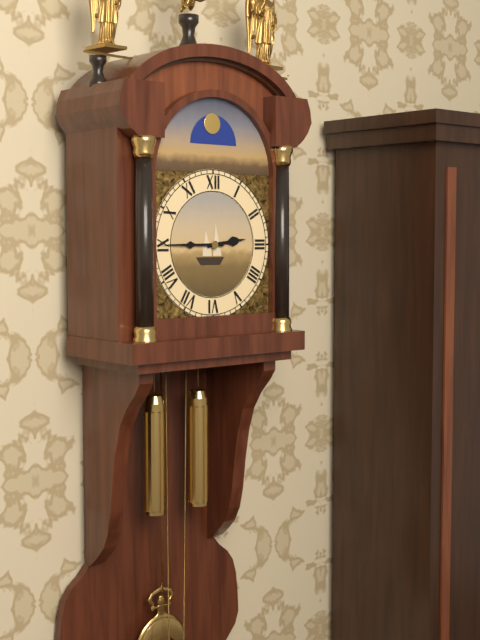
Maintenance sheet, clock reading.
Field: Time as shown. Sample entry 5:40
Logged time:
2:45
